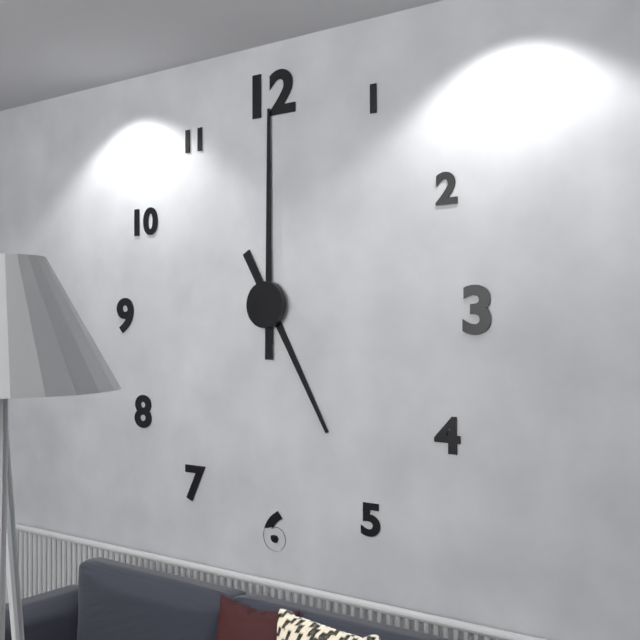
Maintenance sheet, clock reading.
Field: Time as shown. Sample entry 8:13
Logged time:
5:00
